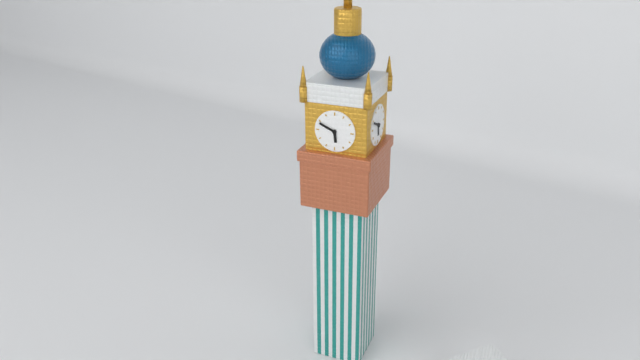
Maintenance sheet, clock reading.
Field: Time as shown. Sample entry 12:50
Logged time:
5:49
